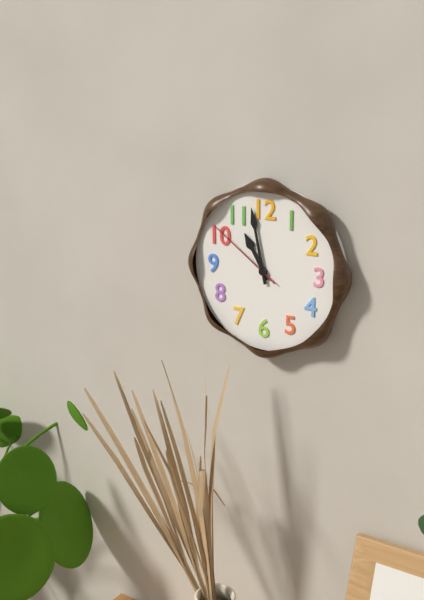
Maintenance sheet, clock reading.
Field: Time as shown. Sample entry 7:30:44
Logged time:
10:58:51
